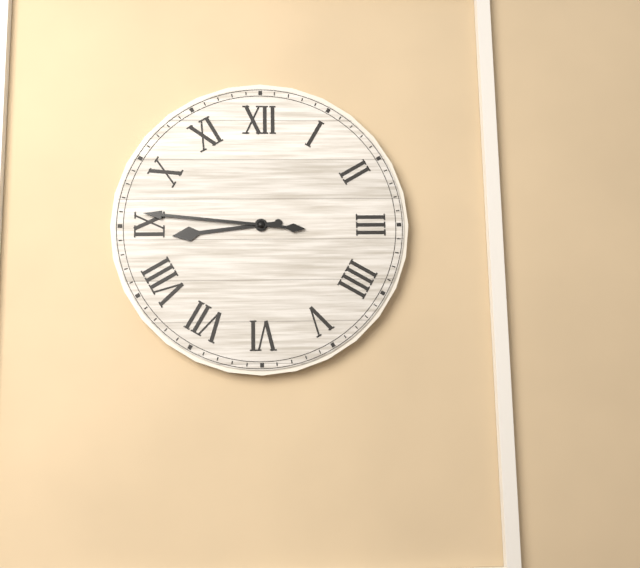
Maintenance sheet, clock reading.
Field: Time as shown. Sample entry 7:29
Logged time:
8:46
